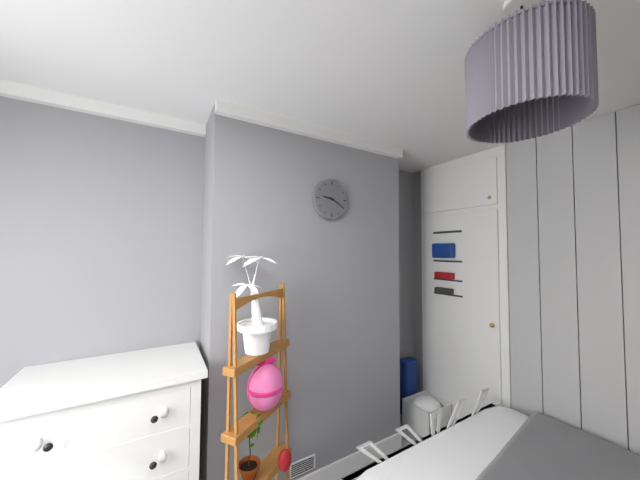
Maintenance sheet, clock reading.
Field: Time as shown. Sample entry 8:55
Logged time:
9:20
